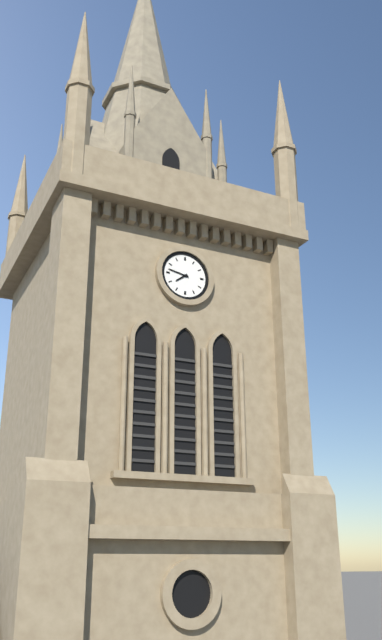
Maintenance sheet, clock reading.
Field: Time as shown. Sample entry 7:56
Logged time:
7:47
